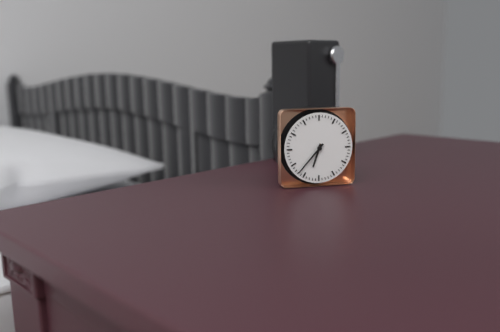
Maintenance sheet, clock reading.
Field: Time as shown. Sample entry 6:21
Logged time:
6:37
